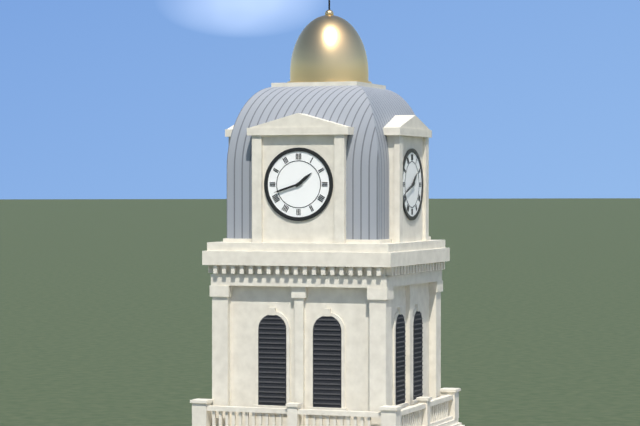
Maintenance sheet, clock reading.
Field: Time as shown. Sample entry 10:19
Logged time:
1:42
